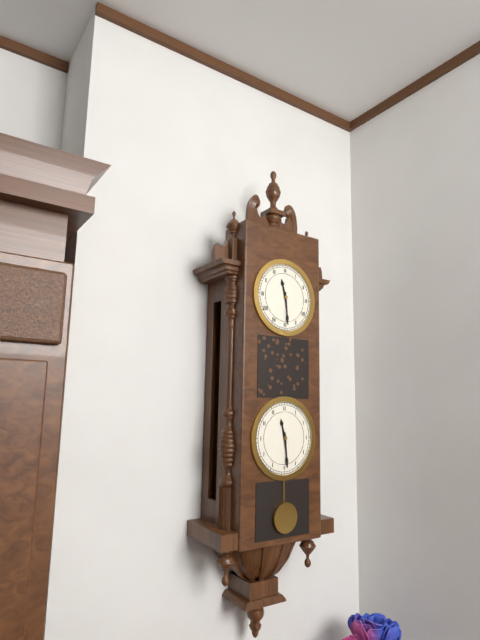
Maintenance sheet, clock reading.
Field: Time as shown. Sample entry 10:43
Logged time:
11:29
